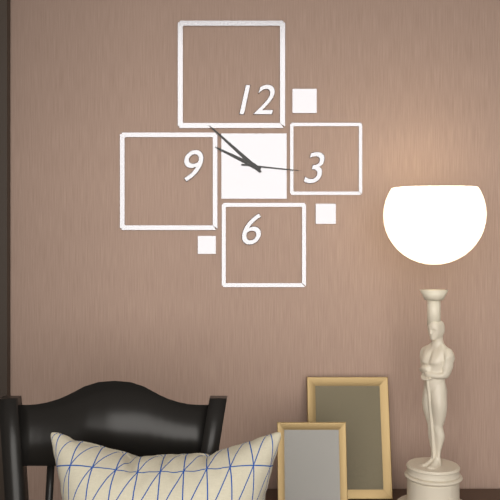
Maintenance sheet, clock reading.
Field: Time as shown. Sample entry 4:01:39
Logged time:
9:52:16
